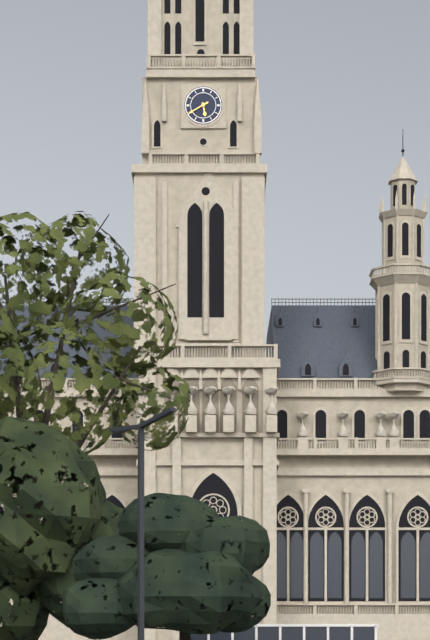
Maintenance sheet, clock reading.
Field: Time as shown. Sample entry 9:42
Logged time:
5:40
